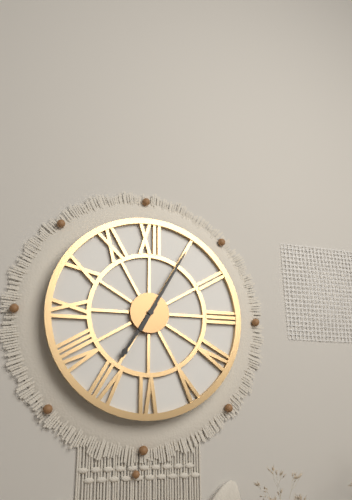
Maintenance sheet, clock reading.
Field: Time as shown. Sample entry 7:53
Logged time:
7:05
